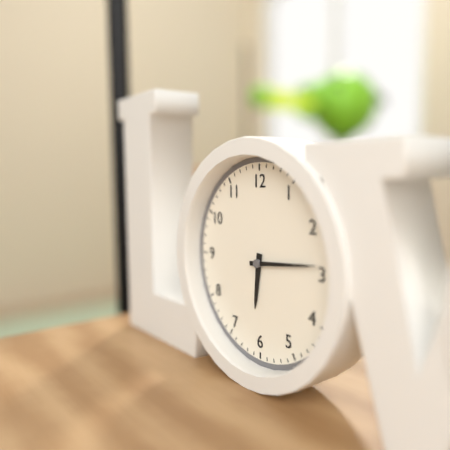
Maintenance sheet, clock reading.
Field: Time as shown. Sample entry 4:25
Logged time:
6:14
